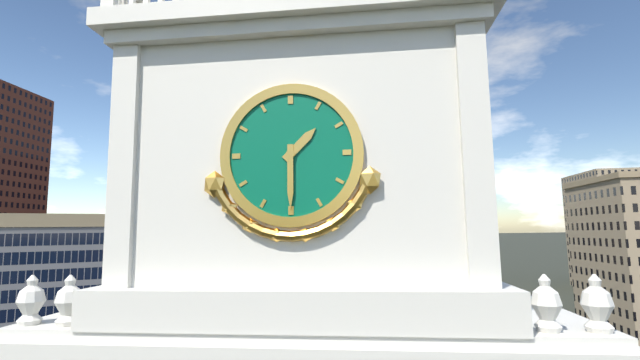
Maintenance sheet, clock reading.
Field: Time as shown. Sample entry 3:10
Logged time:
1:30
